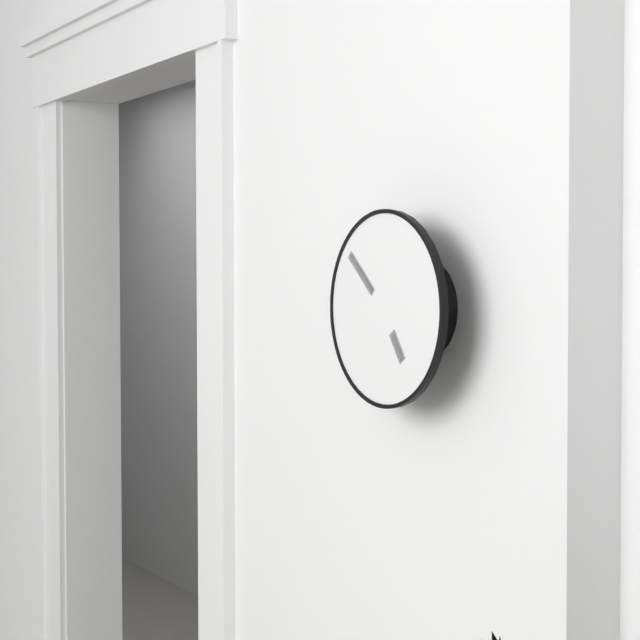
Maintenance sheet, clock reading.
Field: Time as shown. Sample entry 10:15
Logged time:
4:52
